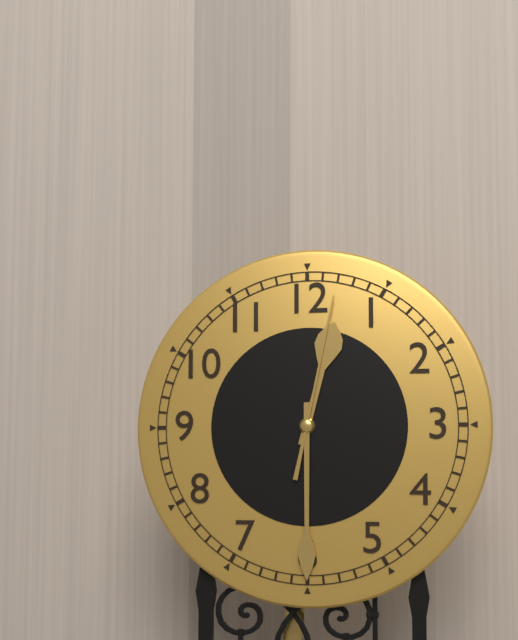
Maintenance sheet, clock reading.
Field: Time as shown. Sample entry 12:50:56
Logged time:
12:30:02
